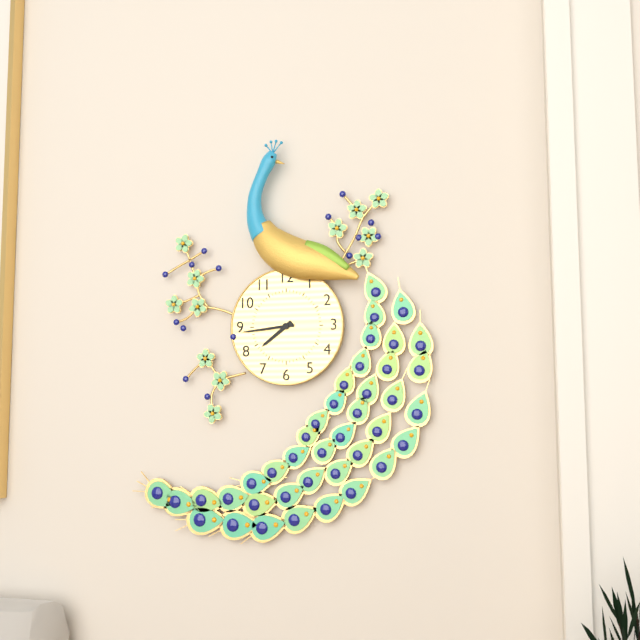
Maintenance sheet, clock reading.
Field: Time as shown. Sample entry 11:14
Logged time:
7:44
